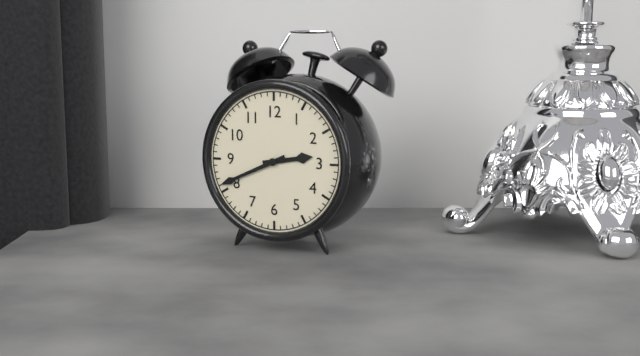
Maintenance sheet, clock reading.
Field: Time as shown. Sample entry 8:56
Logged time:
2:41
